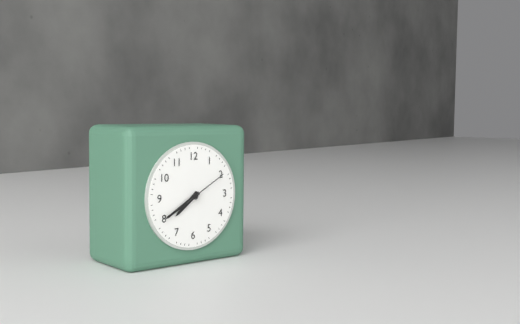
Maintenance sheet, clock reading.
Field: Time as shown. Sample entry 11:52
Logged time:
7:40
